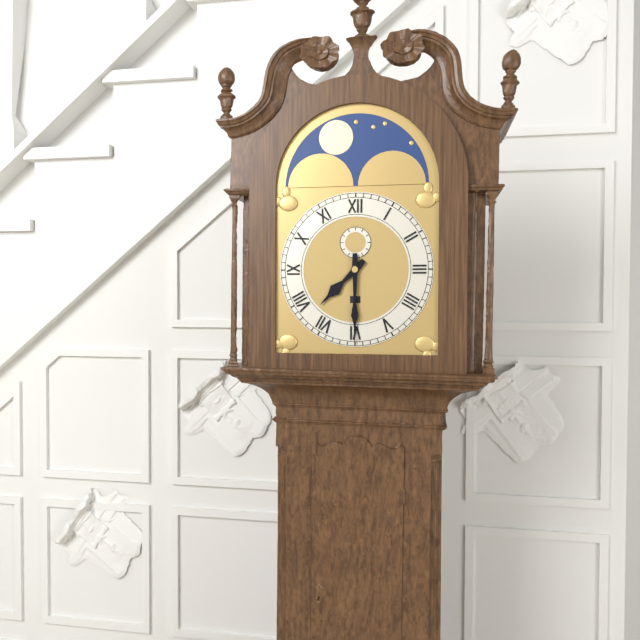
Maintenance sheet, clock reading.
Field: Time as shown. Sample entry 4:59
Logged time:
7:30
